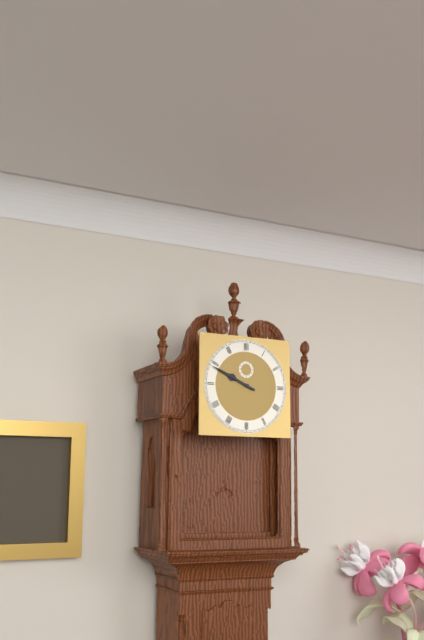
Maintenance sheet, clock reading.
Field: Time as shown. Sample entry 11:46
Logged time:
9:49
